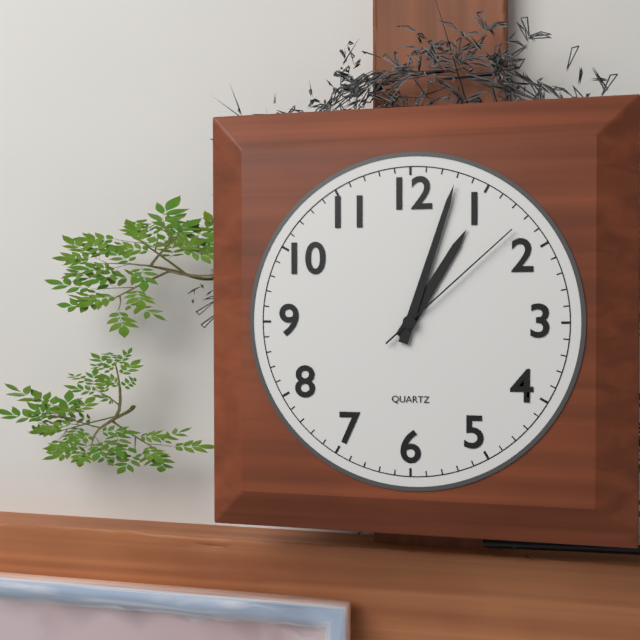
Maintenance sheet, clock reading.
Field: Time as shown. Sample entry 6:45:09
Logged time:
1:03:08
